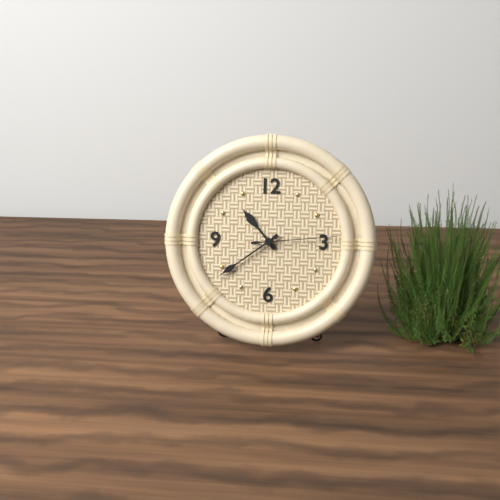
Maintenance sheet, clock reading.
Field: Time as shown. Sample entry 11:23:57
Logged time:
10:39:14
